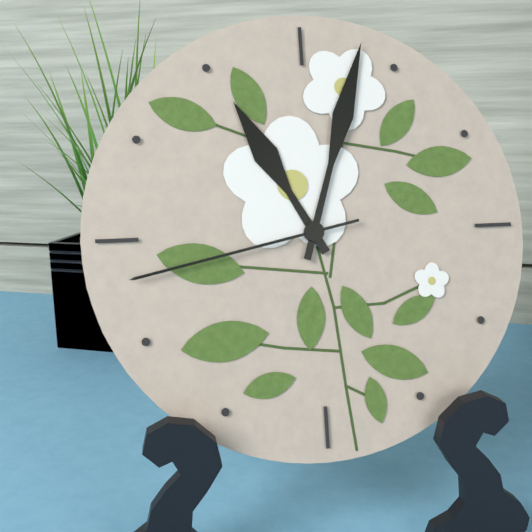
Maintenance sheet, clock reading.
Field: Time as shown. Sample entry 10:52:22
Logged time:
11:03:43
